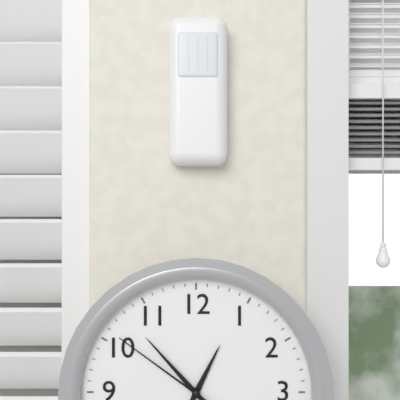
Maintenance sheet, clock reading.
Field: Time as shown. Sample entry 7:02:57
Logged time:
12:53:51
